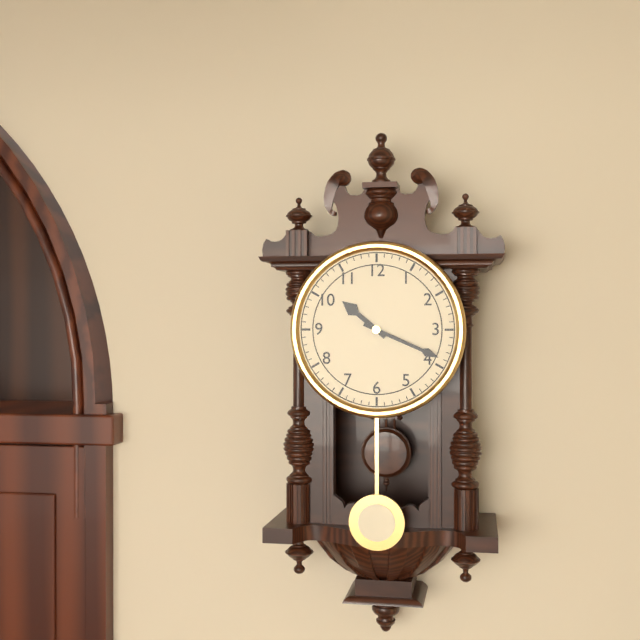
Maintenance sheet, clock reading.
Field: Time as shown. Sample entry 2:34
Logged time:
10:19
